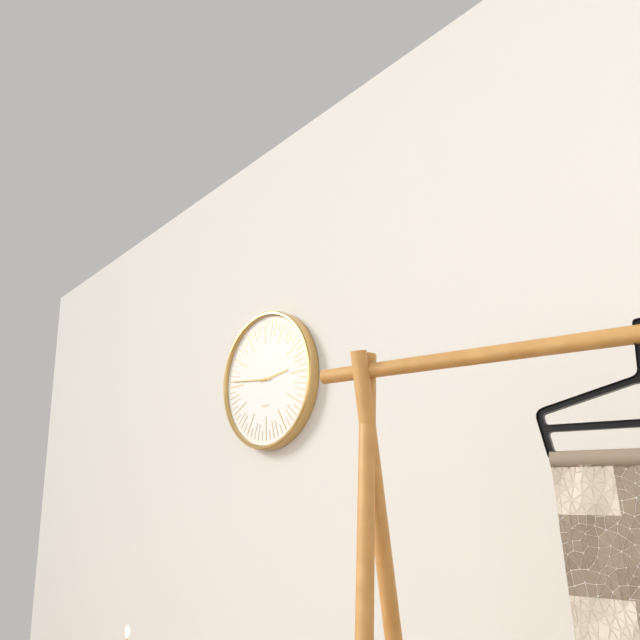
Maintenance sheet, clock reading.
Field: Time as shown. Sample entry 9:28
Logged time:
2:46
